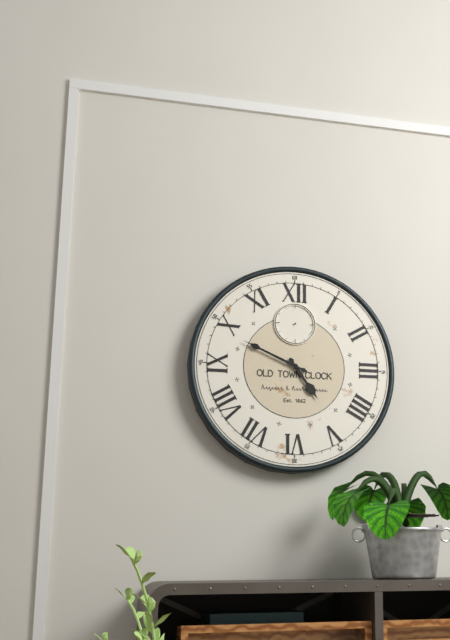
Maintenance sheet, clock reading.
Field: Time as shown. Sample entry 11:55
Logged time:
4:49
